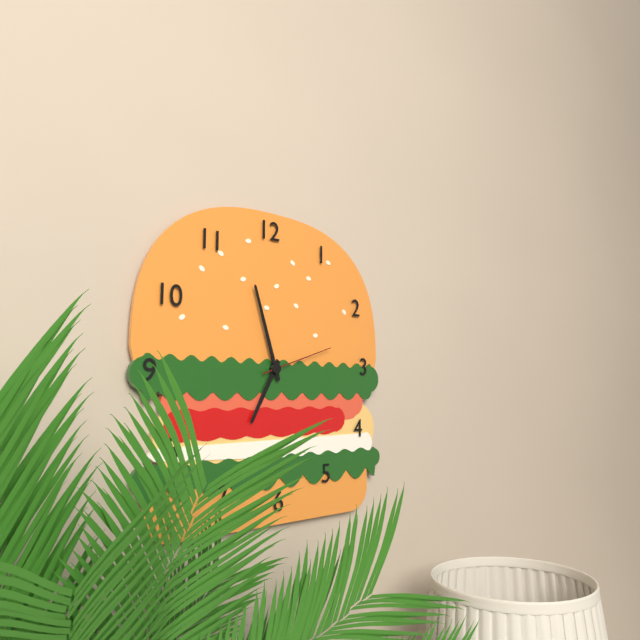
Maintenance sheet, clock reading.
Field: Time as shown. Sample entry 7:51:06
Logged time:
6:57:12
